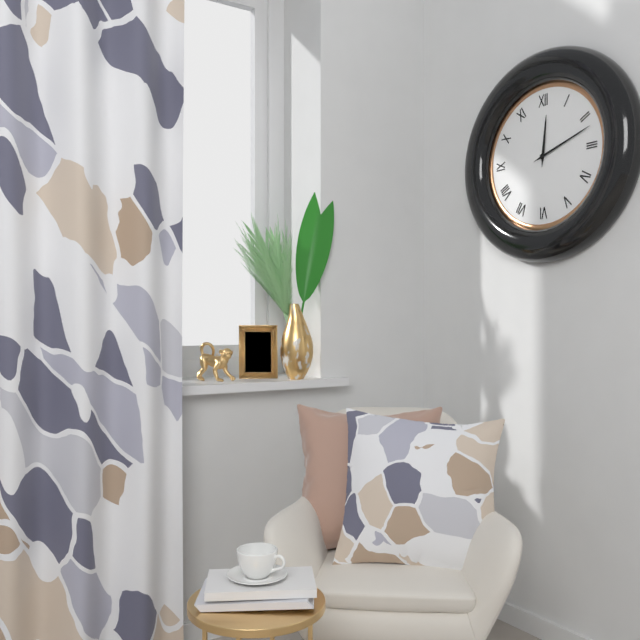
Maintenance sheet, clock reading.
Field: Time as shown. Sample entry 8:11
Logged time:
12:12
